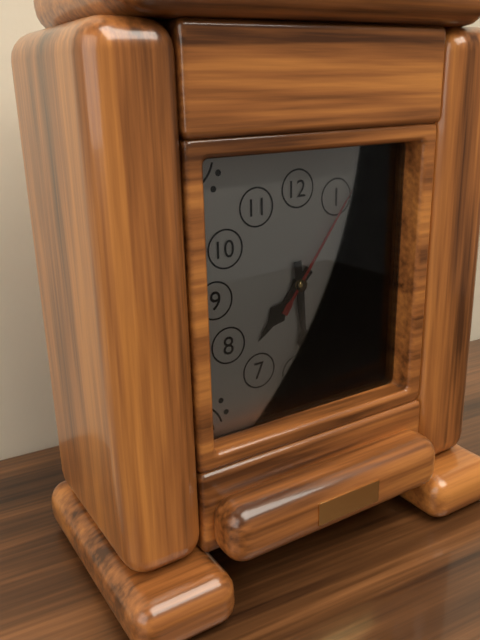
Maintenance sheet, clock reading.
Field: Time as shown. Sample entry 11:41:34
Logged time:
7:29:06
